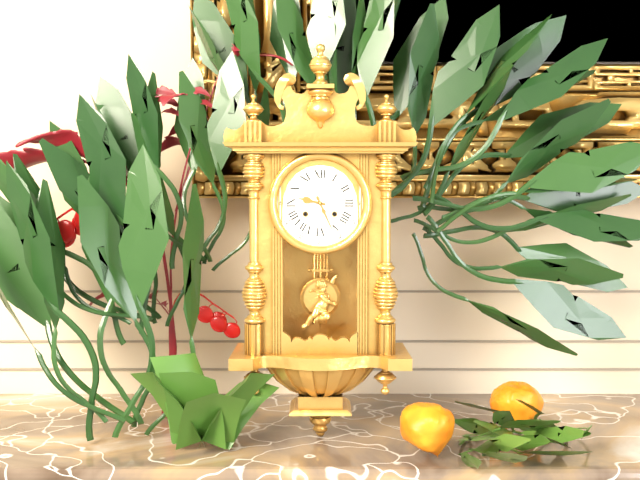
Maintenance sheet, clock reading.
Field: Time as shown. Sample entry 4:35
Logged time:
9:26
